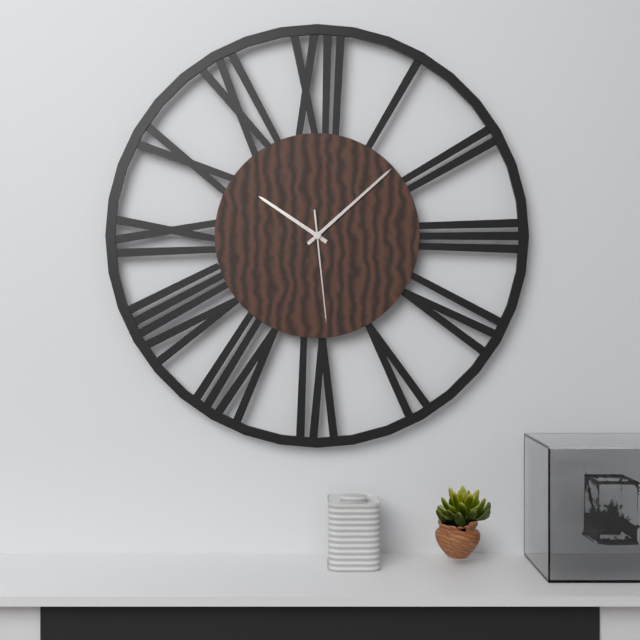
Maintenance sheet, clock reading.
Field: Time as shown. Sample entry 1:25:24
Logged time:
10:08:29
